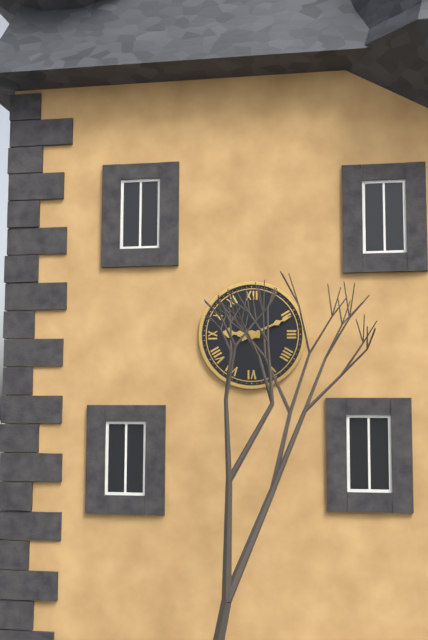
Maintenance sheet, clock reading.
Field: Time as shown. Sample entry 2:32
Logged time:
9:11
